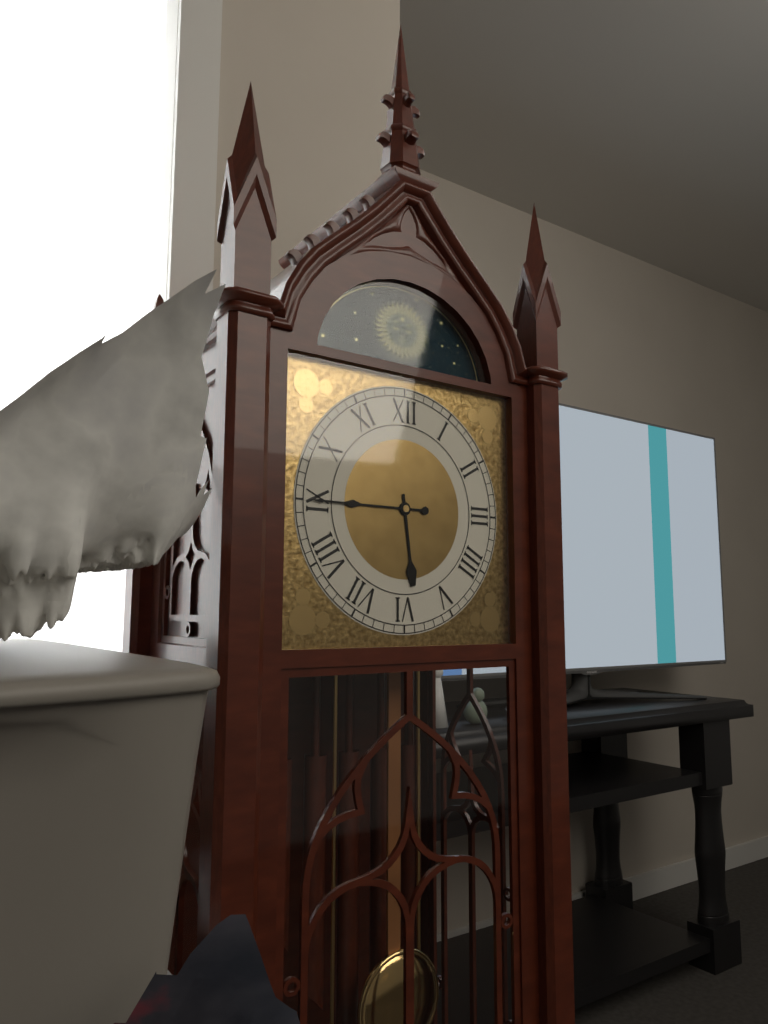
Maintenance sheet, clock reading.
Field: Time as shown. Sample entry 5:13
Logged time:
5:45
